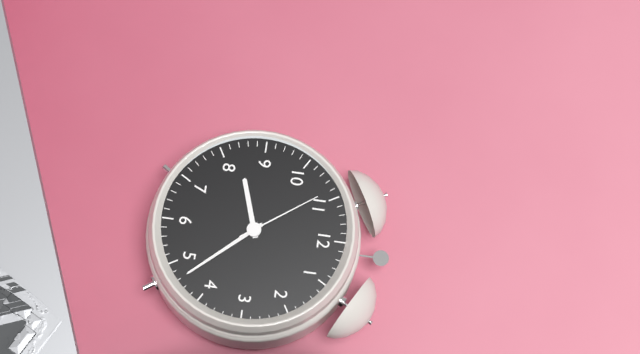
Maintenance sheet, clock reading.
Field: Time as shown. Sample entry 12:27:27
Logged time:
8:23:54
